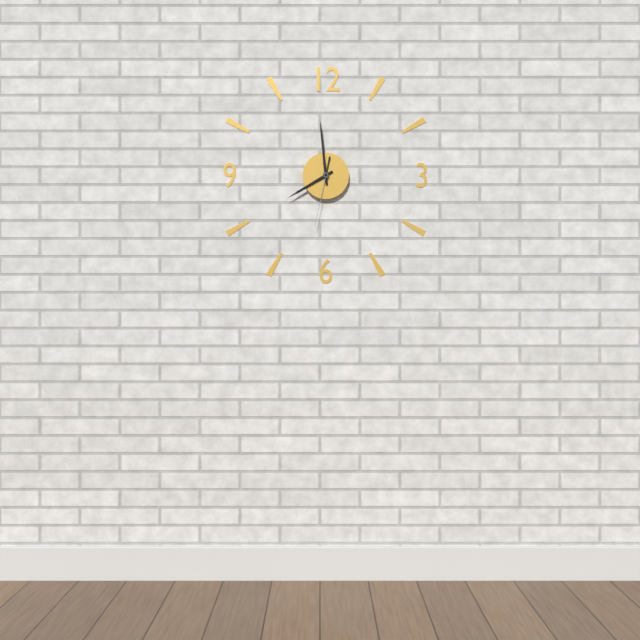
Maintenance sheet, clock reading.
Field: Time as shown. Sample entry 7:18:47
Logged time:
7:59:32
